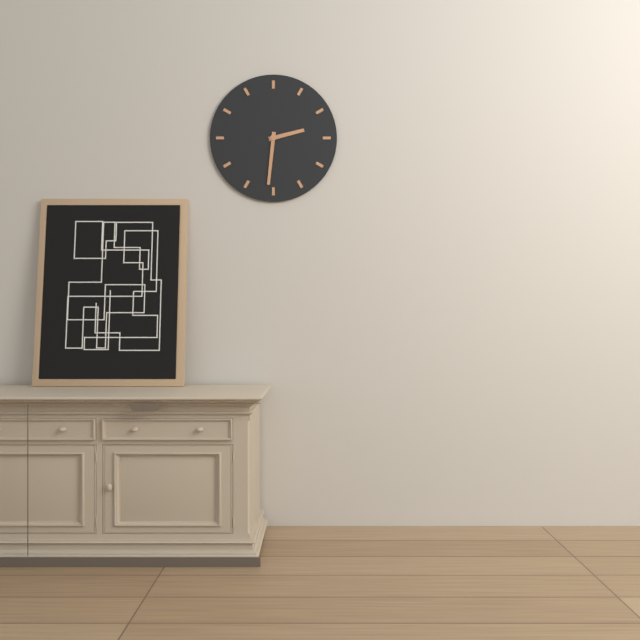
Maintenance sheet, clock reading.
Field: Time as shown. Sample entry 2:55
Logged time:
2:31
